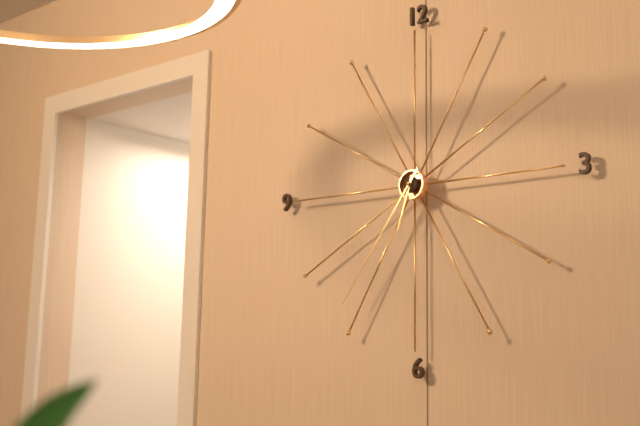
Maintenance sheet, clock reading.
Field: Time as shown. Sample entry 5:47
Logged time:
6:36
